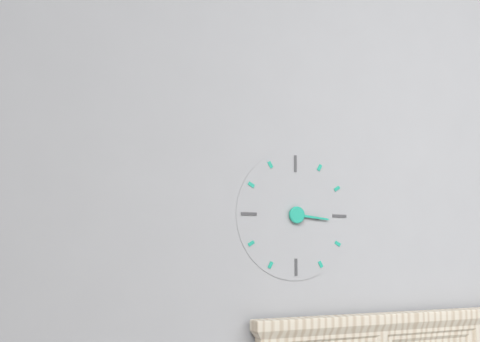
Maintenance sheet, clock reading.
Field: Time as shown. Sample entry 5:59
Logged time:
3:16
